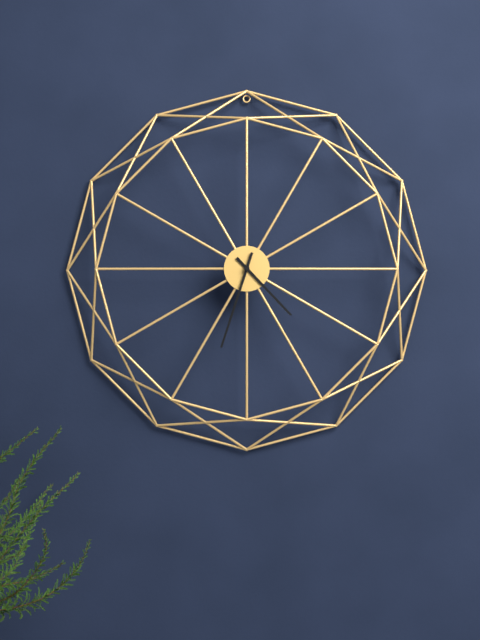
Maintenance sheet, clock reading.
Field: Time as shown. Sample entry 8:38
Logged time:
4:33
